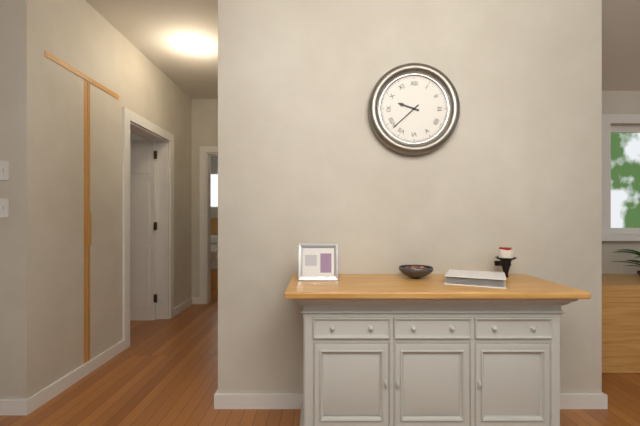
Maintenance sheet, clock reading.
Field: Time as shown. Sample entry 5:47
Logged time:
9:38
